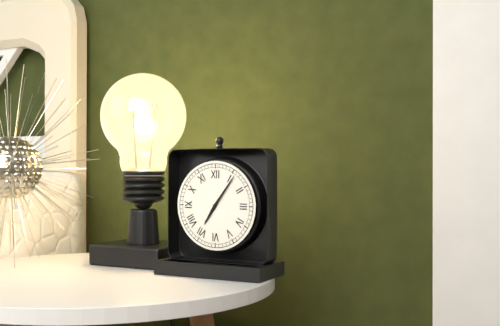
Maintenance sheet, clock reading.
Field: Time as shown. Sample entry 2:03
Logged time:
7:06
